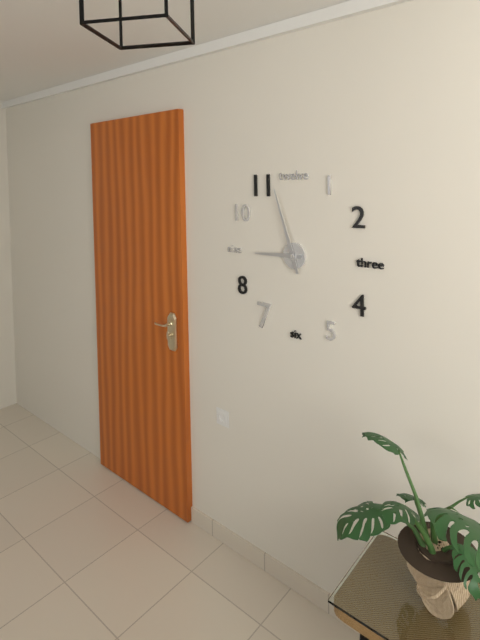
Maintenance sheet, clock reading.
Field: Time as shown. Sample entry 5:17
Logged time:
8:57
